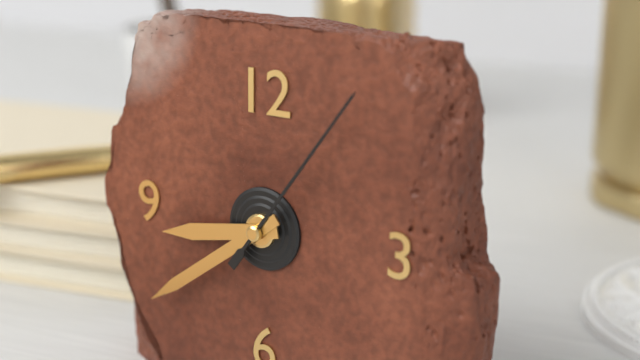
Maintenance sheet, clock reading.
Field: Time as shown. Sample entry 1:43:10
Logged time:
8:39:06
